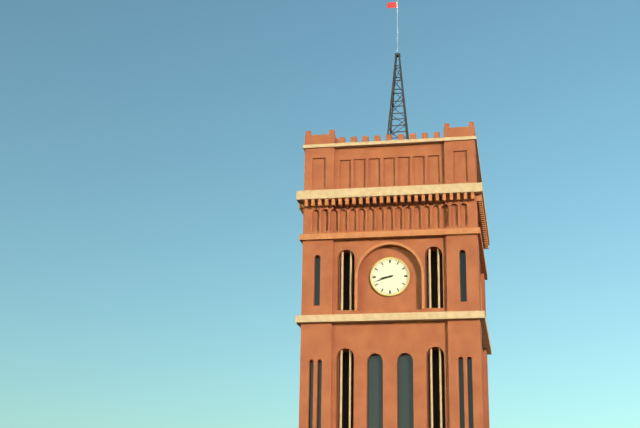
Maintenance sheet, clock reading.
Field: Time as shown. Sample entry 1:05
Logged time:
8:42
